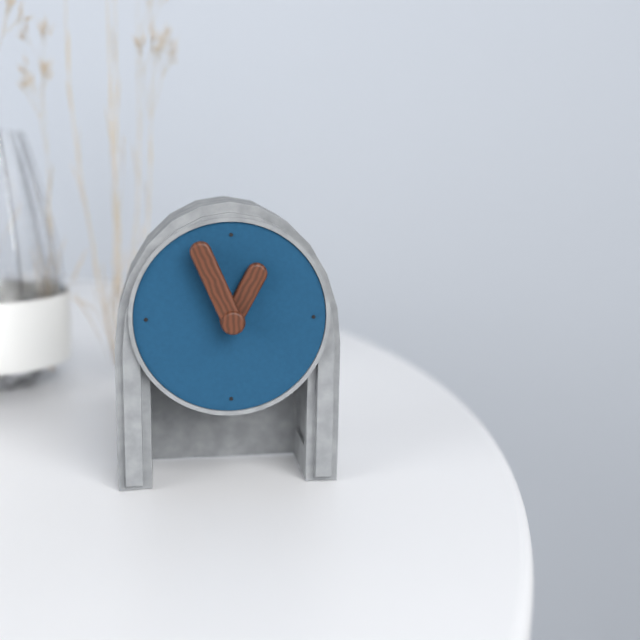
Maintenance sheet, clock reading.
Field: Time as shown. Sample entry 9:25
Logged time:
12:56
